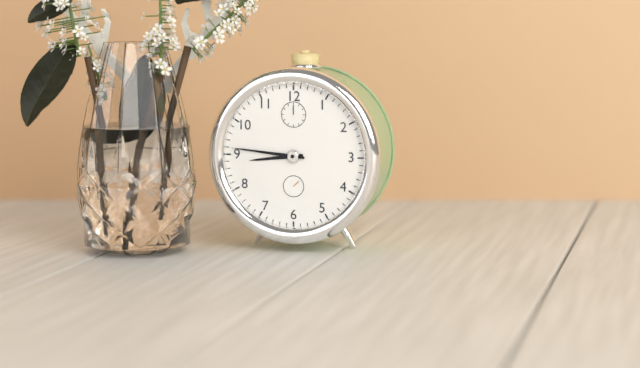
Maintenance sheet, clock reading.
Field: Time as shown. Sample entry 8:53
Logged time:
8:46
